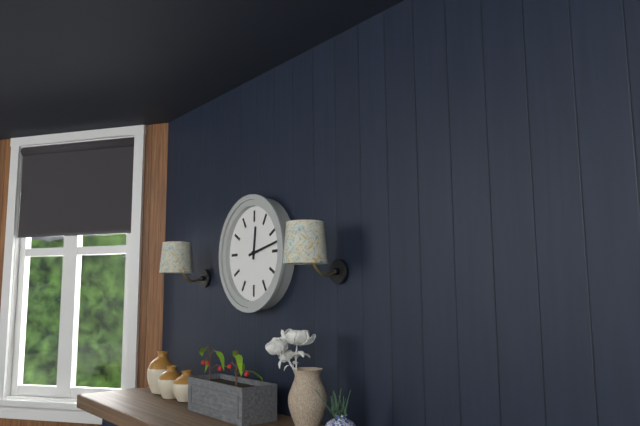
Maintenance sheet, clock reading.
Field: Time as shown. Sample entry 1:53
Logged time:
12:13
